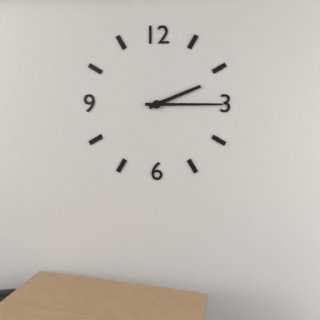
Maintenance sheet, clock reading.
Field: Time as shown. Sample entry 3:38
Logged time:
2:15
